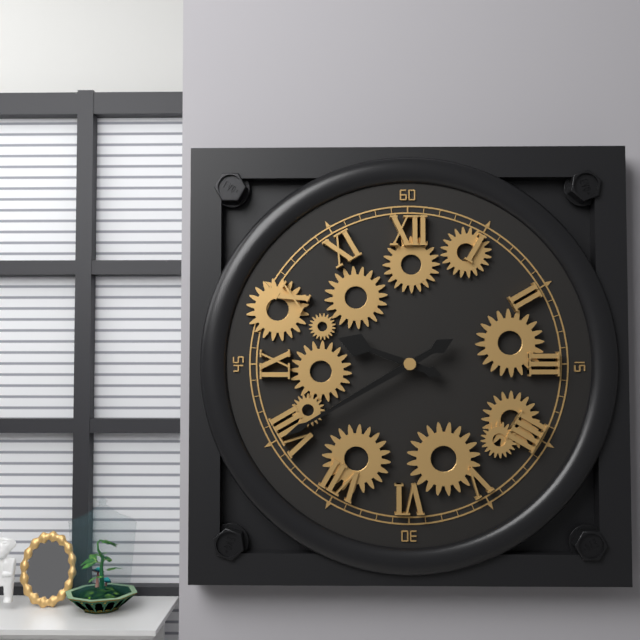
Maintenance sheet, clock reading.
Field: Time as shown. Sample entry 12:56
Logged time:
9:40
